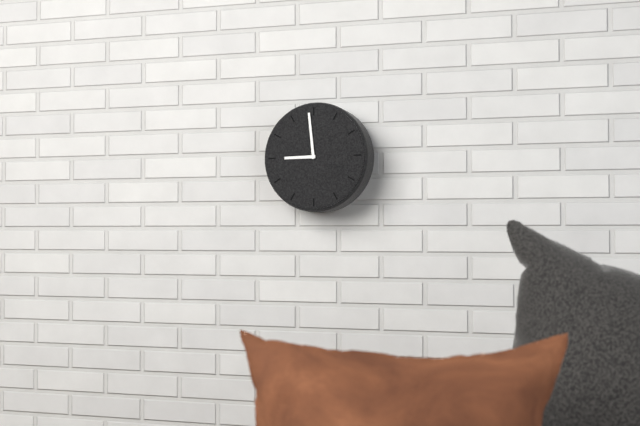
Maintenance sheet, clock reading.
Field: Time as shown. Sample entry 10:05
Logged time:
8:59
